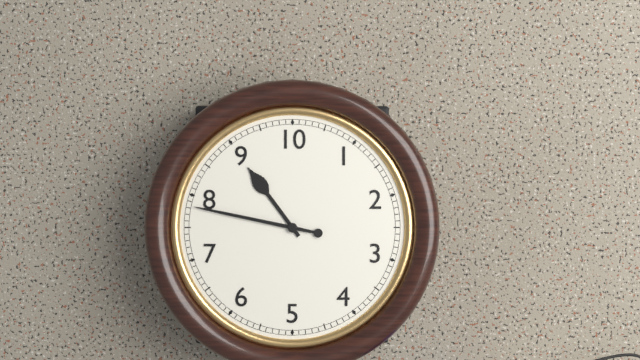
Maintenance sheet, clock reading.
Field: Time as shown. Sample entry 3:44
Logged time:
10:47
